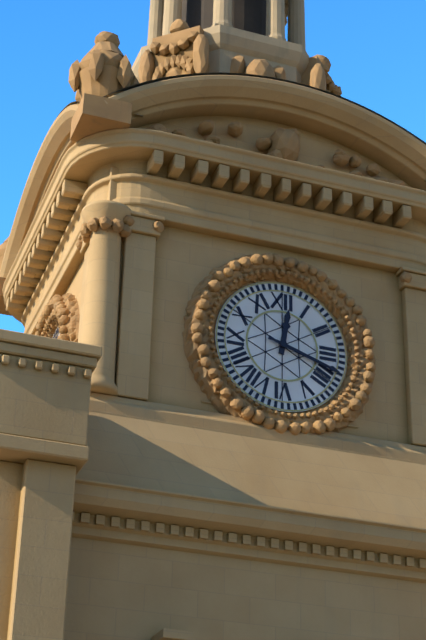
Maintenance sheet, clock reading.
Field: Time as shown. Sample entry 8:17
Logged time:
12:18
